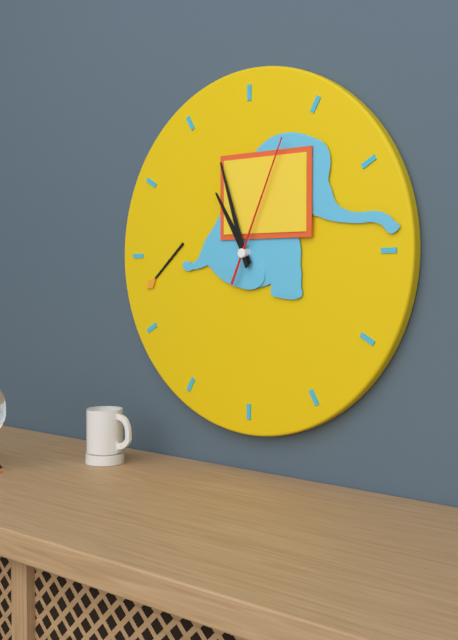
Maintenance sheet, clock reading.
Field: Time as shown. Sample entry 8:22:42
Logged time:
10:57:04
